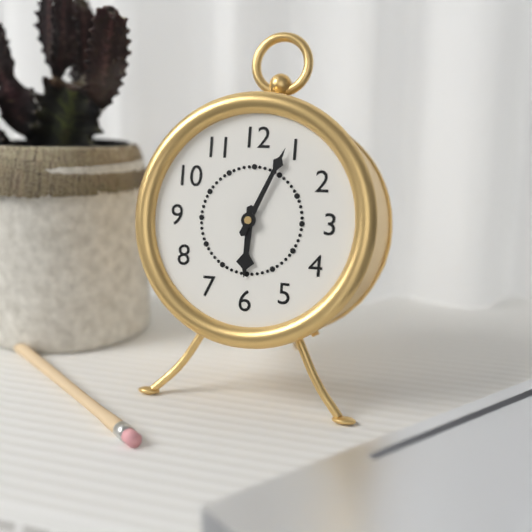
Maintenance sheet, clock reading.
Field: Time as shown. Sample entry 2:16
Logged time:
6:04
